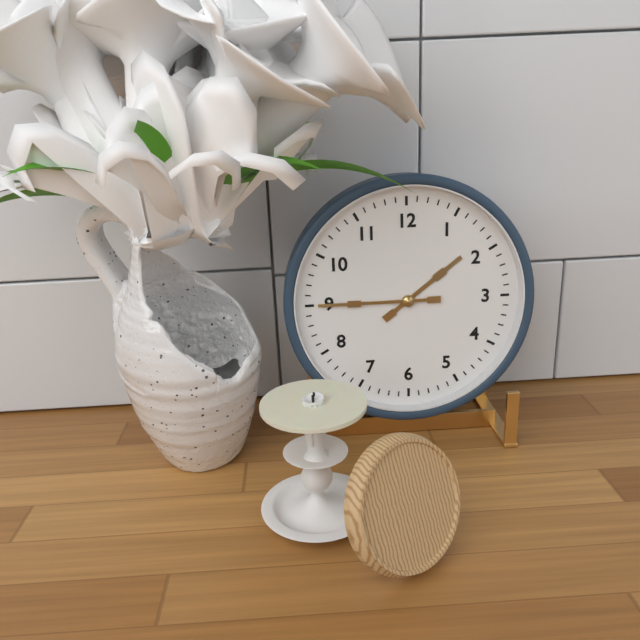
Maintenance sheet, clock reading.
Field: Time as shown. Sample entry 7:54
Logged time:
1:45
